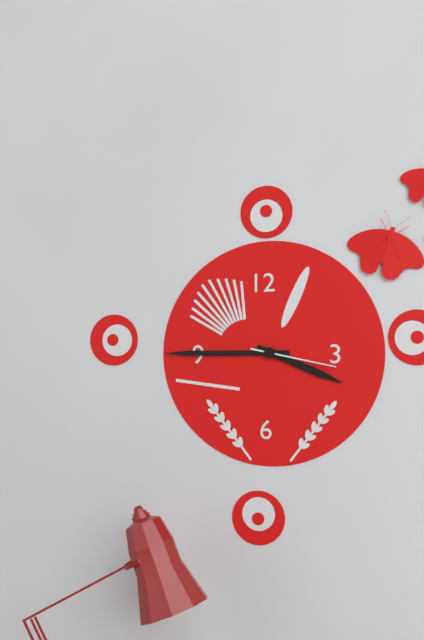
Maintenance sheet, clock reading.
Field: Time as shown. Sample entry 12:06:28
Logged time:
3:45:17
